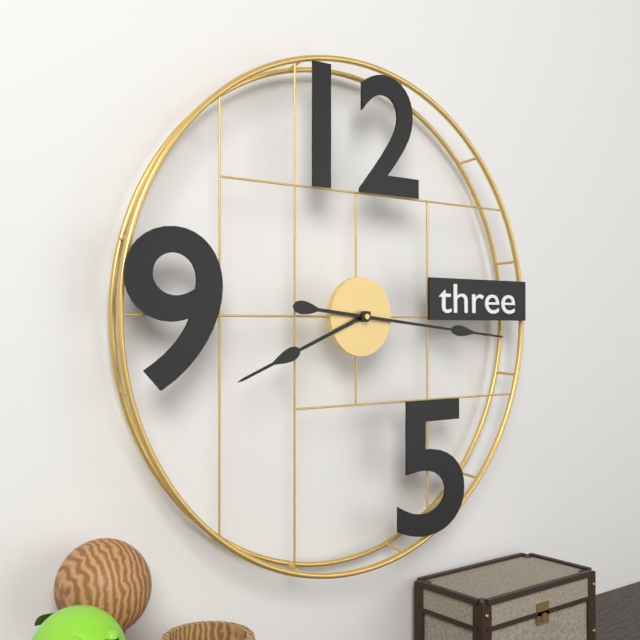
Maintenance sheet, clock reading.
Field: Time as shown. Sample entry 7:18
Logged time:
8:16
